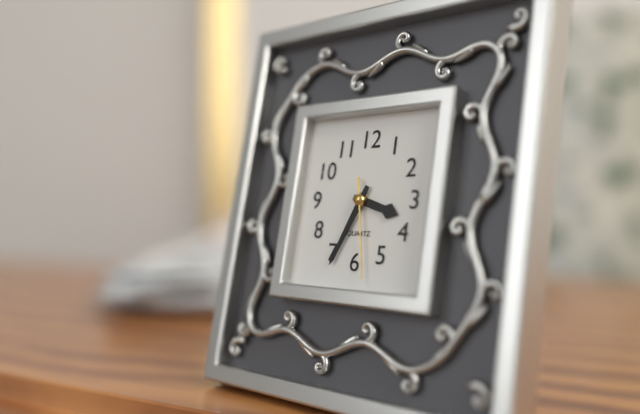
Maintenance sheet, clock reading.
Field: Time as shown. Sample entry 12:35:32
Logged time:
3:34:28
